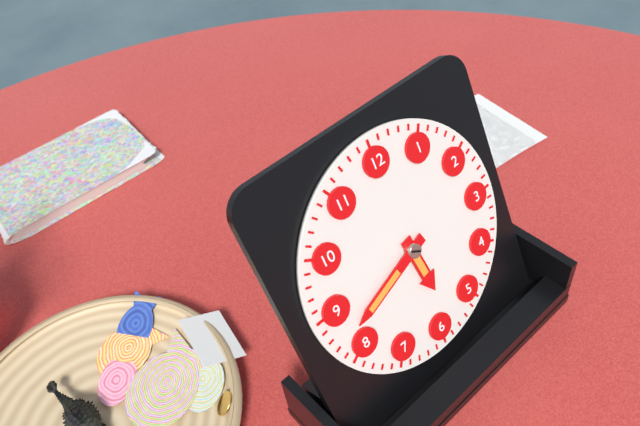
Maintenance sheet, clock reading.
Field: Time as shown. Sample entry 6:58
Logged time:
5:42
